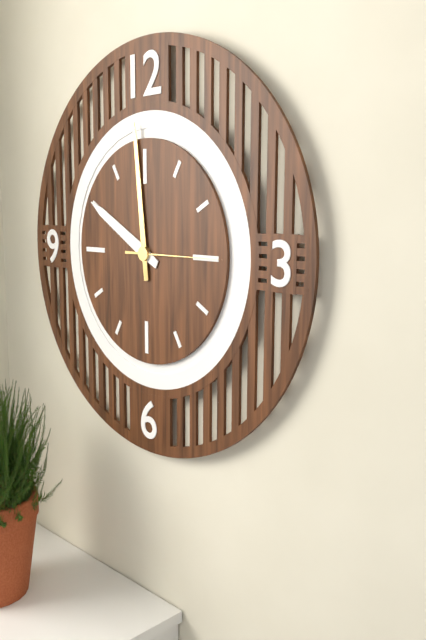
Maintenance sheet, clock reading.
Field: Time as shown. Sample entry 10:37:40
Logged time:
9:59:15
